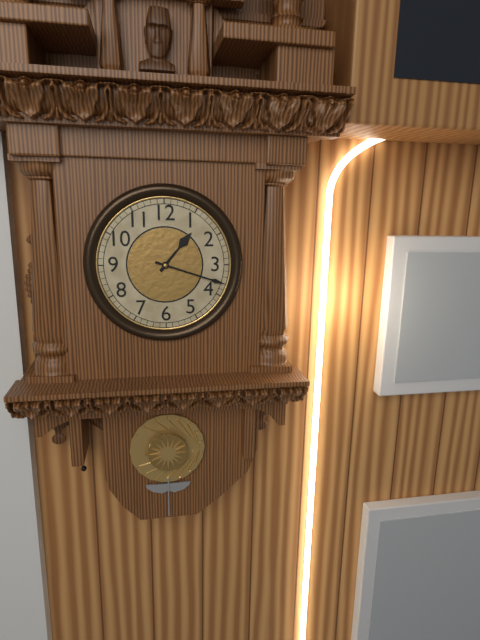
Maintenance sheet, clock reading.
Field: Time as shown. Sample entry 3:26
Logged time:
1:18
